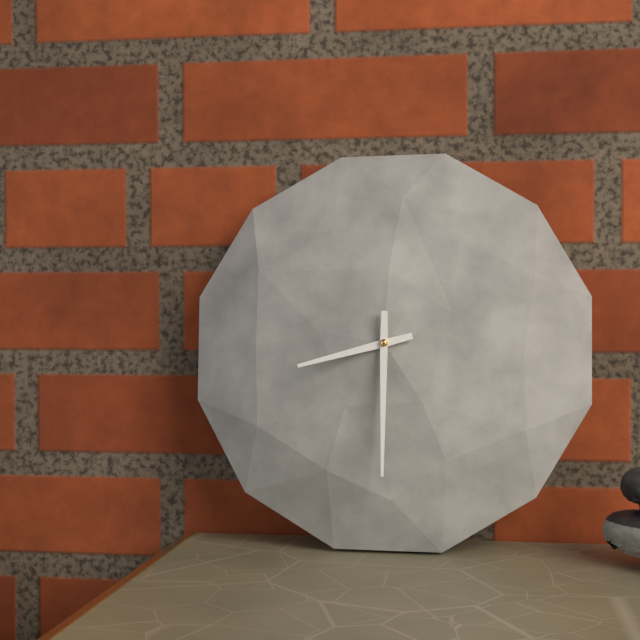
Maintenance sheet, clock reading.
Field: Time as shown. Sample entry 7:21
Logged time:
8:30
